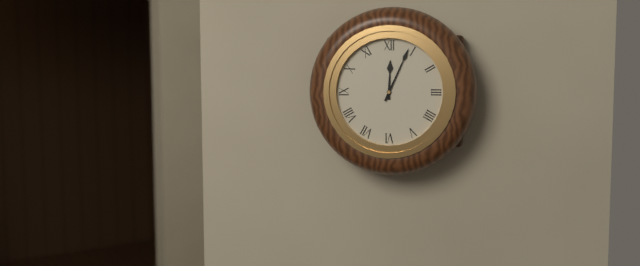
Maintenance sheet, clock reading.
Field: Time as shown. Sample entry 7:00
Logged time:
12:04
